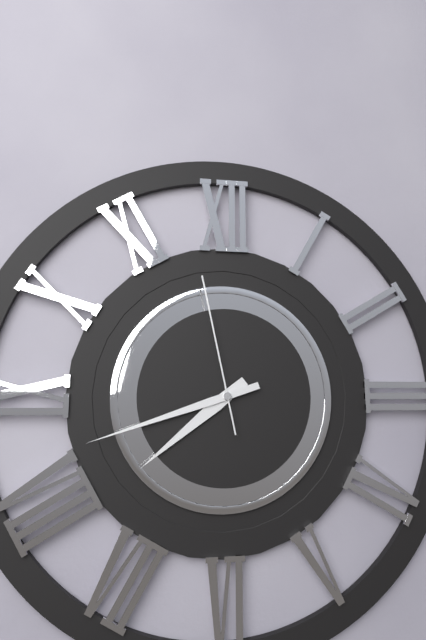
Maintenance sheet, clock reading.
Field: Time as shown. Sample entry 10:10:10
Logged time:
7:42:58
